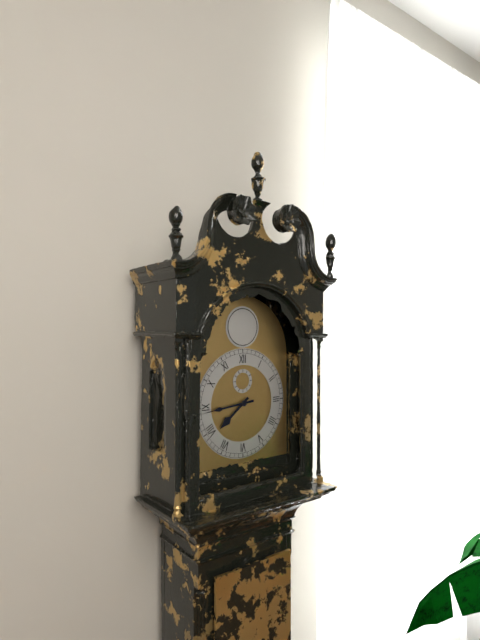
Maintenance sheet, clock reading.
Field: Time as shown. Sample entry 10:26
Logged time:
7:44
